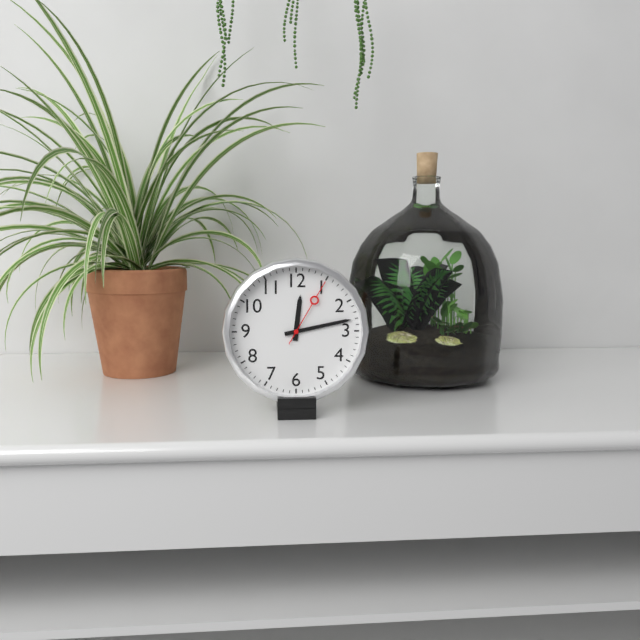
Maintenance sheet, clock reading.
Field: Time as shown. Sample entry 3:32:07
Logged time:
12:13:05
